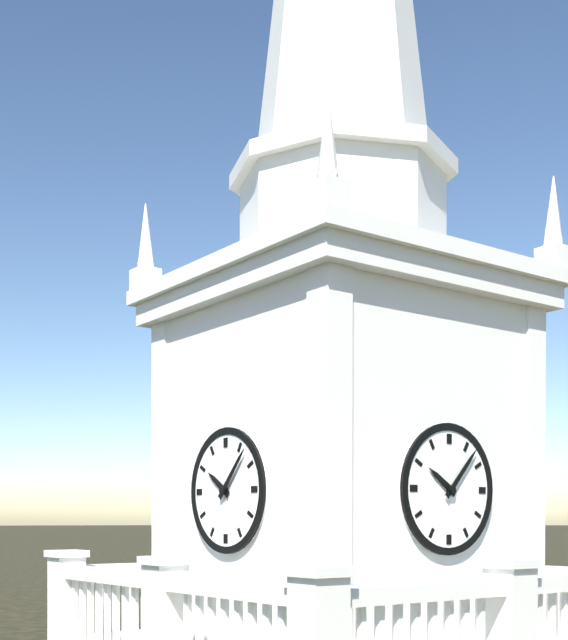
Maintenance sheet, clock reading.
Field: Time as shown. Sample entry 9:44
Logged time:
10:07
